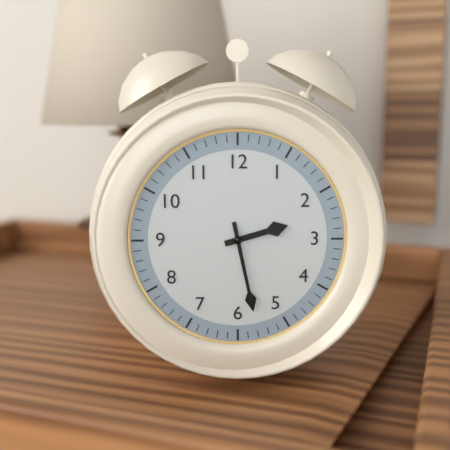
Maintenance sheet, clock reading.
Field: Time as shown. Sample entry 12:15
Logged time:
2:28
